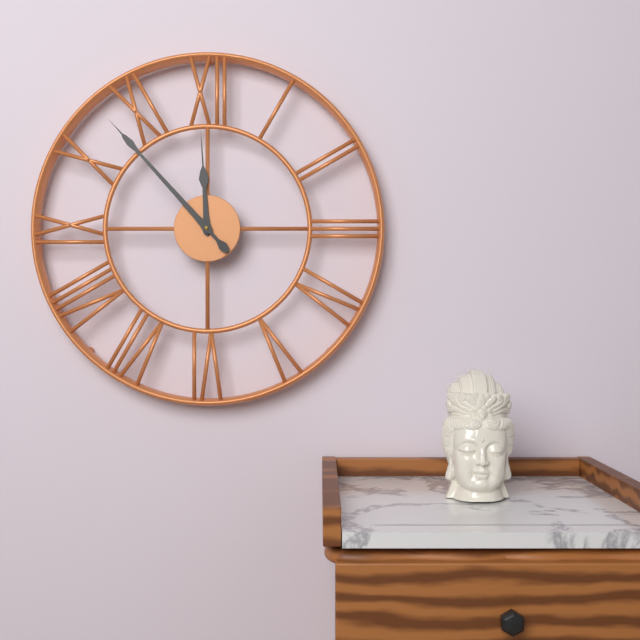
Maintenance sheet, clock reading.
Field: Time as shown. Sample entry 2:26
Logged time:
11:53
